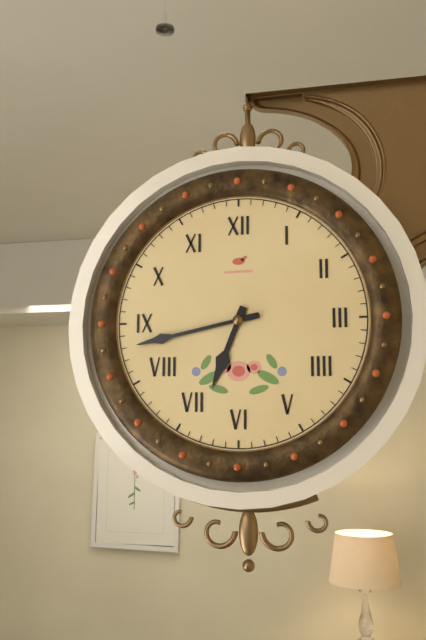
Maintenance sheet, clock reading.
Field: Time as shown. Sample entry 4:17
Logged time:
6:43
